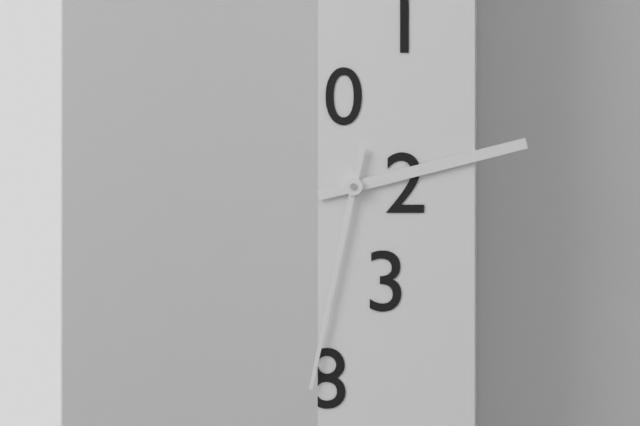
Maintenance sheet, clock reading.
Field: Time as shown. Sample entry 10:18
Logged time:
2:32
